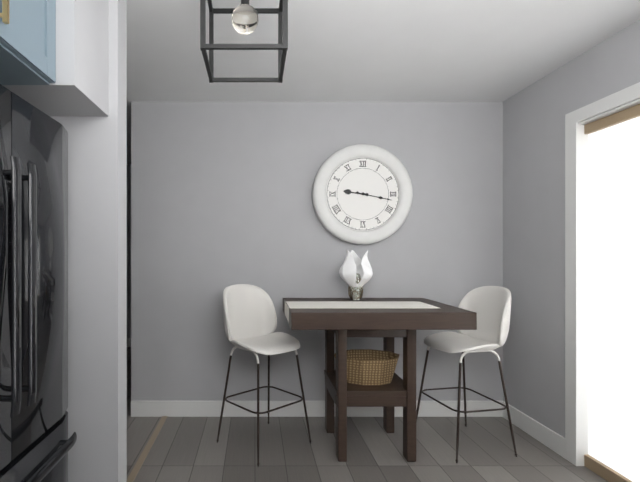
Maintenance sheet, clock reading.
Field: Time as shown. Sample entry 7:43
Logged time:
9:17
